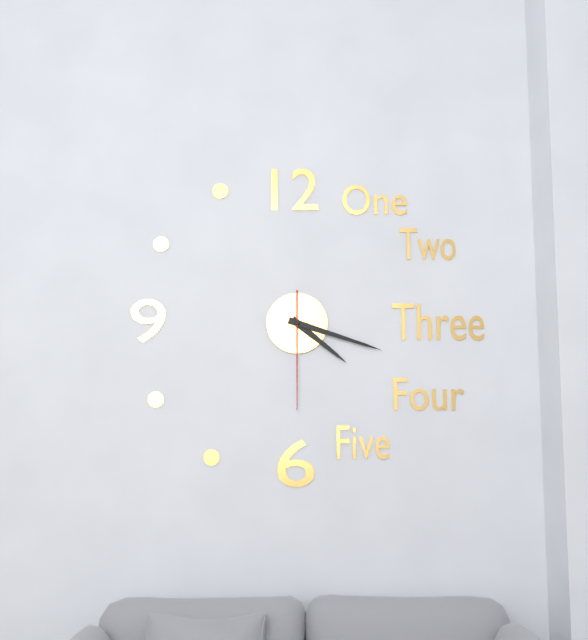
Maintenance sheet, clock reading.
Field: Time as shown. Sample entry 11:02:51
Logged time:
4:18:30
